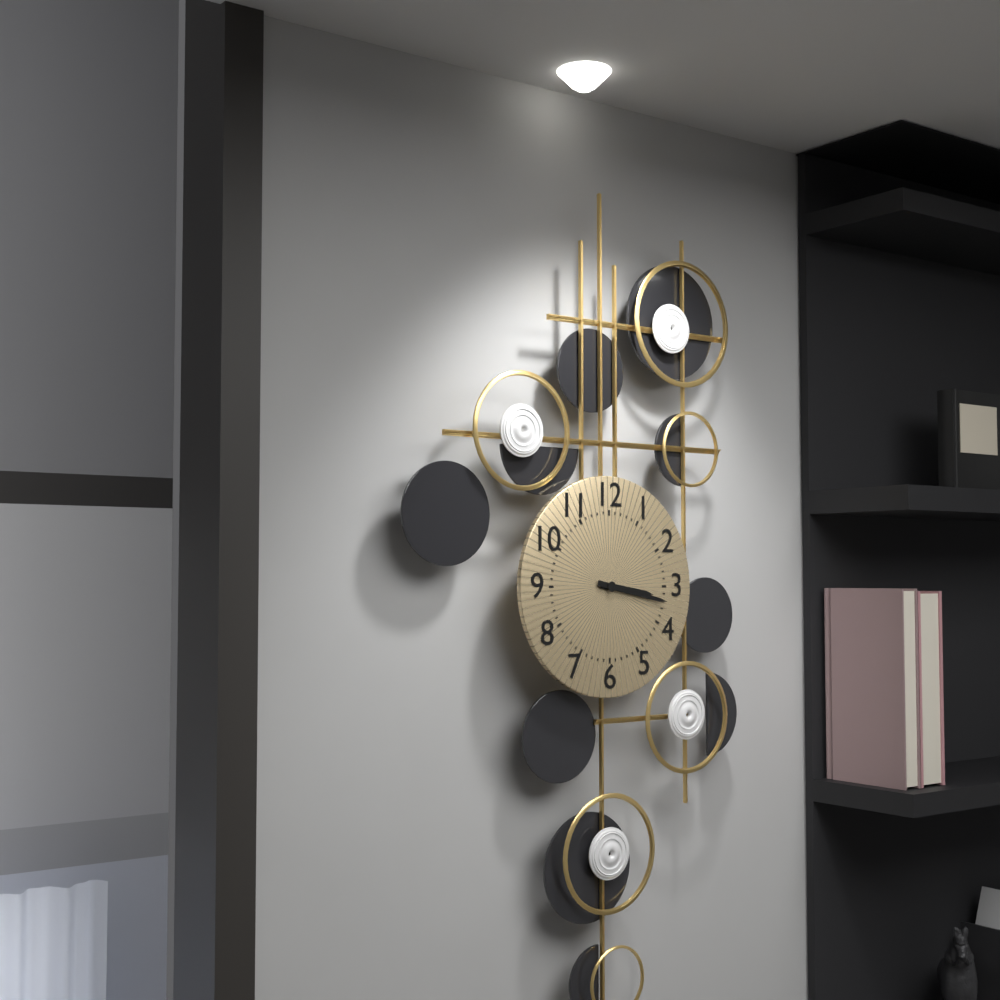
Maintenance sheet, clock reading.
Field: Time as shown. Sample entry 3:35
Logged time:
3:17
